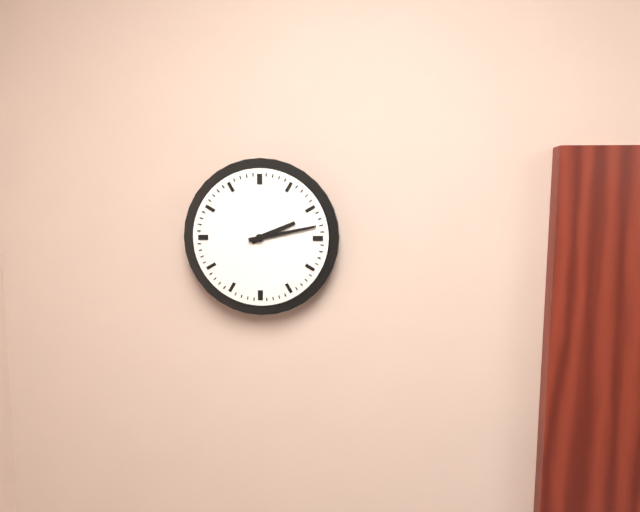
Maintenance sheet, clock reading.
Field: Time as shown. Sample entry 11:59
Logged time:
2:13
